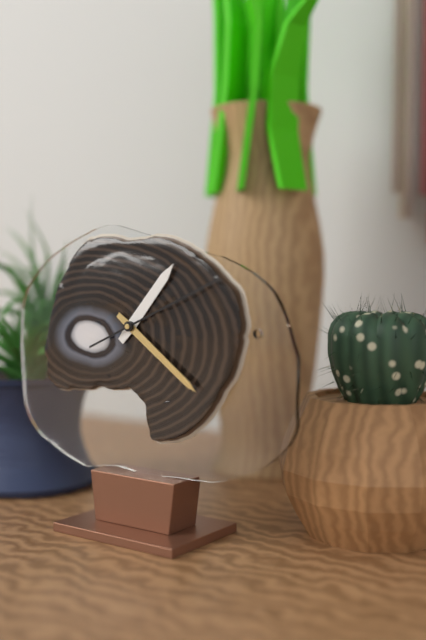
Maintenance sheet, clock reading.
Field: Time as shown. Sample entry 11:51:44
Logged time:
1:21:11
